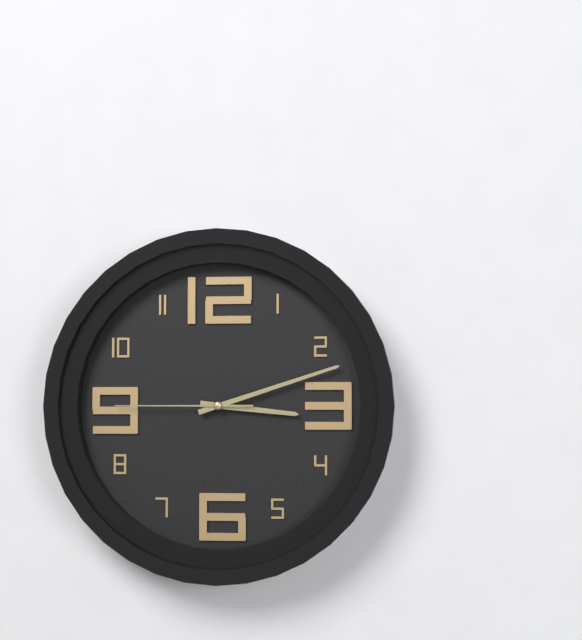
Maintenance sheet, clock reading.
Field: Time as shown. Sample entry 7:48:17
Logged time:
3:12:45
